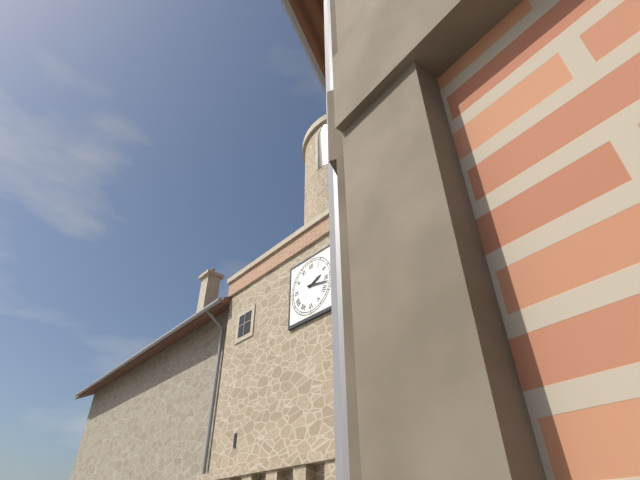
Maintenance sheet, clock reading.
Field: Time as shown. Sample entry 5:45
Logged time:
2:17
